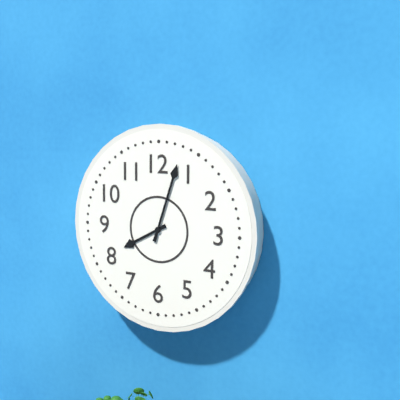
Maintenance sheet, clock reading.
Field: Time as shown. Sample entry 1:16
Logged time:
8:03
